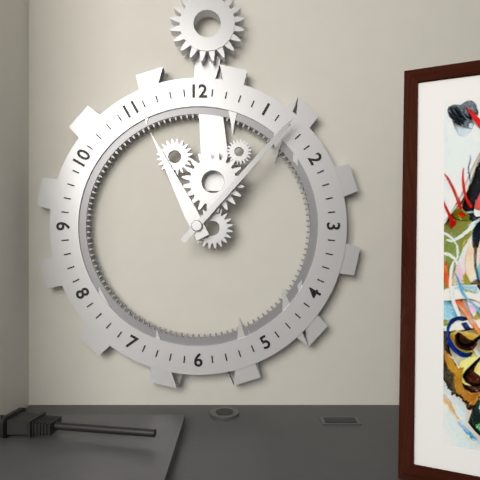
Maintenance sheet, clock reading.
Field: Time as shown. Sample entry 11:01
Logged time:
11:07
